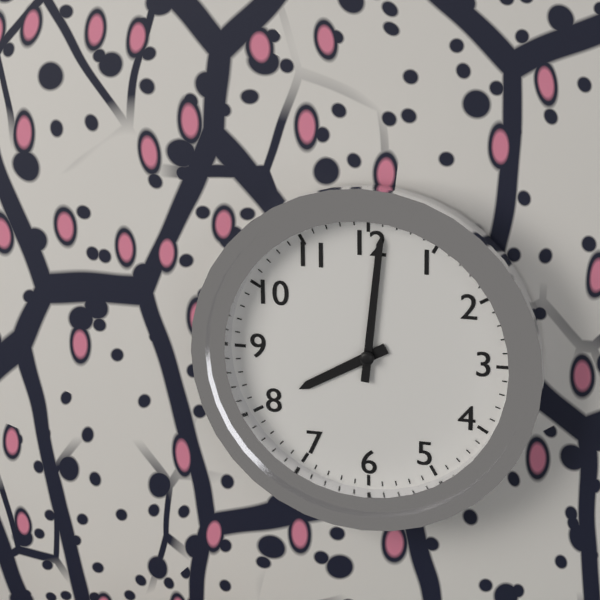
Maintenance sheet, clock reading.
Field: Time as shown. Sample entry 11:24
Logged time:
8:01
